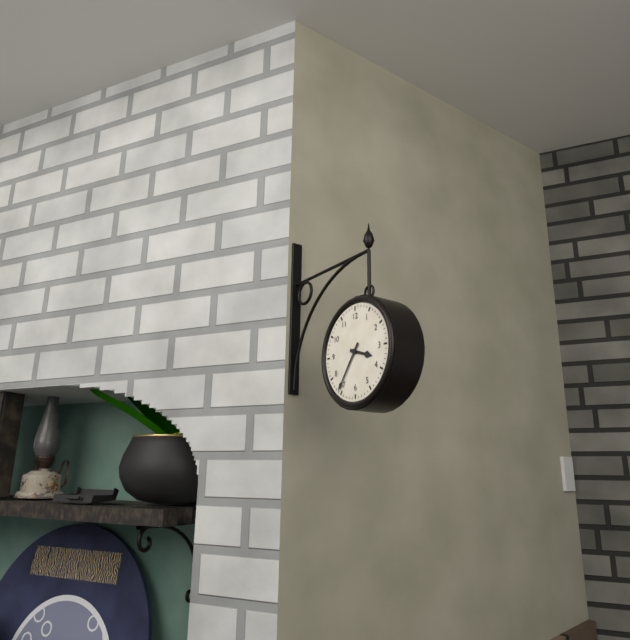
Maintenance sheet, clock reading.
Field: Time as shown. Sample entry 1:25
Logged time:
3:36
